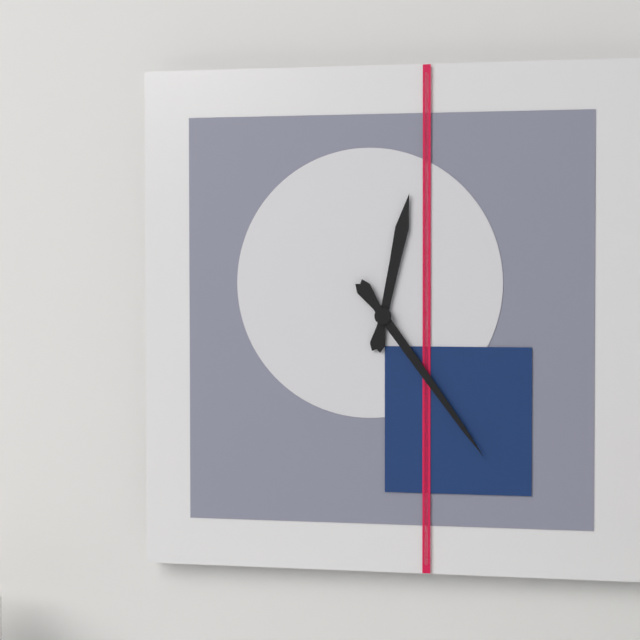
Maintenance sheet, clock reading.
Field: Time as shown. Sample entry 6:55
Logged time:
12:24
